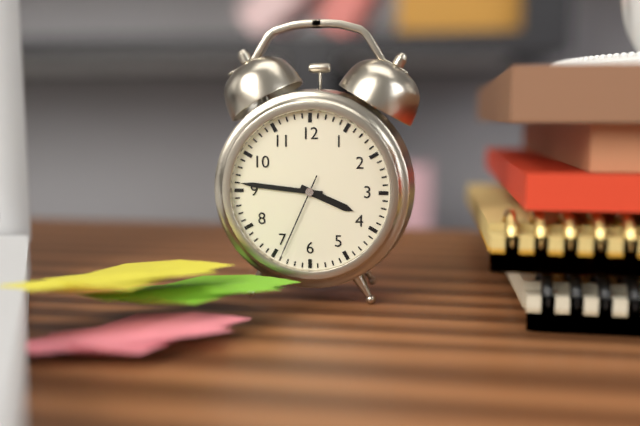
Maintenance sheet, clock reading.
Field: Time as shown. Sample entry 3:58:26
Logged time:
3:46:34
